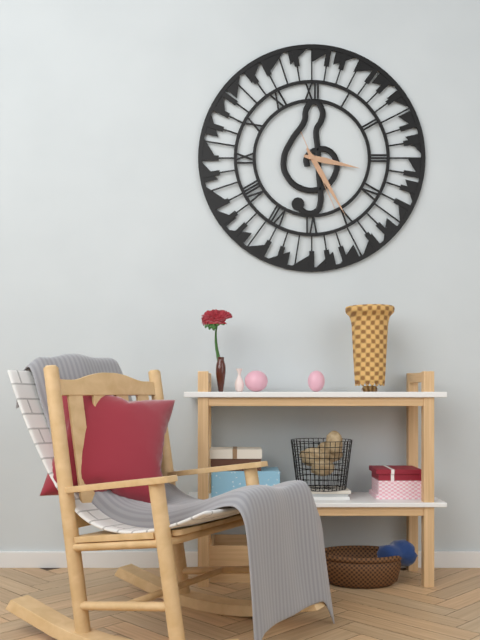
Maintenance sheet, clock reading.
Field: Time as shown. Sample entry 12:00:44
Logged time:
3:25:26
